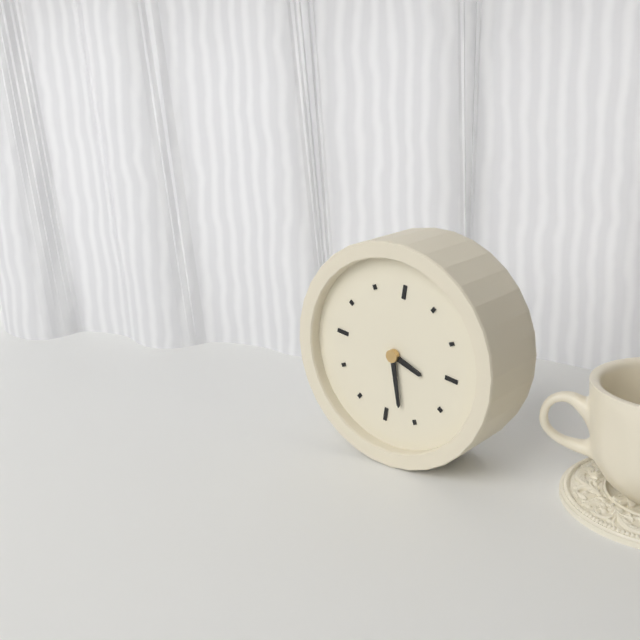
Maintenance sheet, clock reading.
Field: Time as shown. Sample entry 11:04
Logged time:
3:27
